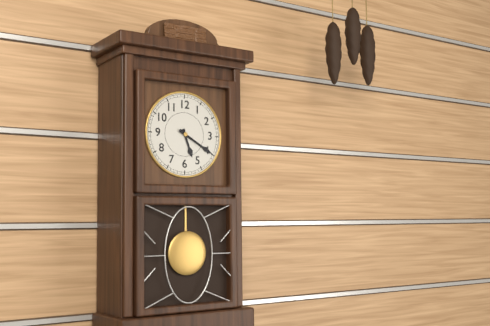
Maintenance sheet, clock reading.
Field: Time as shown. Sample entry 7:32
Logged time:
5:20
